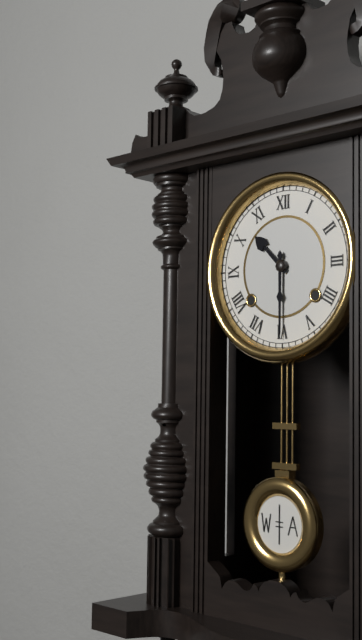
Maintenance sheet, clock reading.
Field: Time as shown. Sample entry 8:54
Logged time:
10:30
